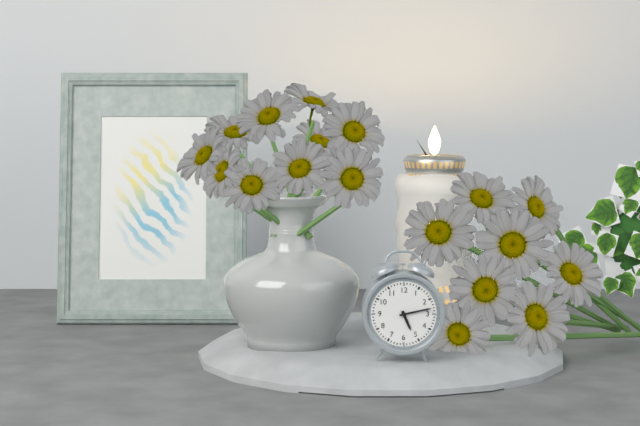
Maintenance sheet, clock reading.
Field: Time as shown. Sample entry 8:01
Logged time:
5:13
